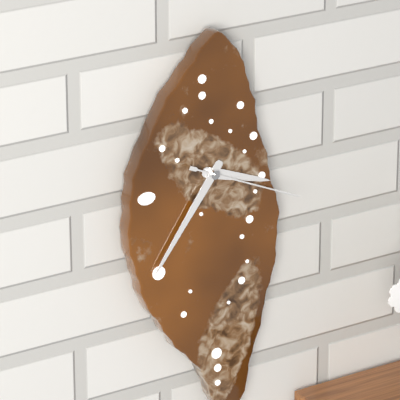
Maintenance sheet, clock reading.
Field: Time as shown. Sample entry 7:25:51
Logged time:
3:36:19
